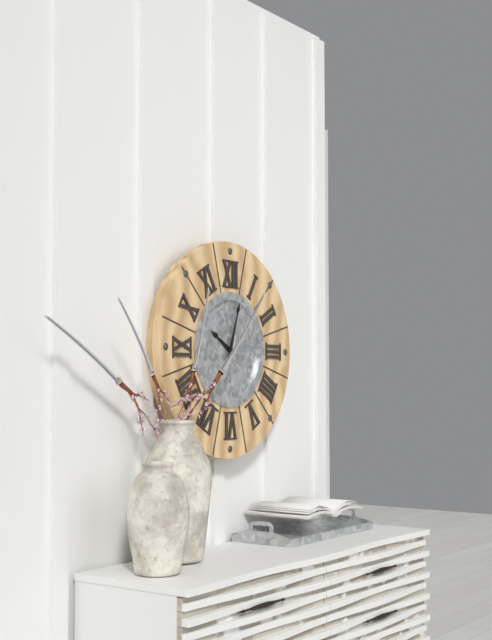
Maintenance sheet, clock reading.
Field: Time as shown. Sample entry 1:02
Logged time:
10:03
